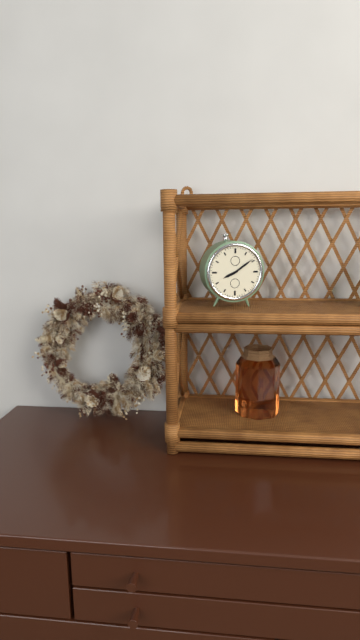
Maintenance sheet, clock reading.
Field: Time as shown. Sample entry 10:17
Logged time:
8:09
